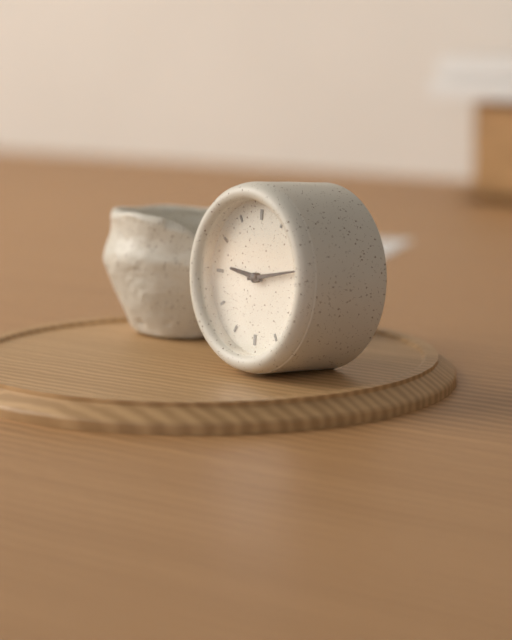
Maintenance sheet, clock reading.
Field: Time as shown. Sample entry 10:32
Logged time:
9:13
